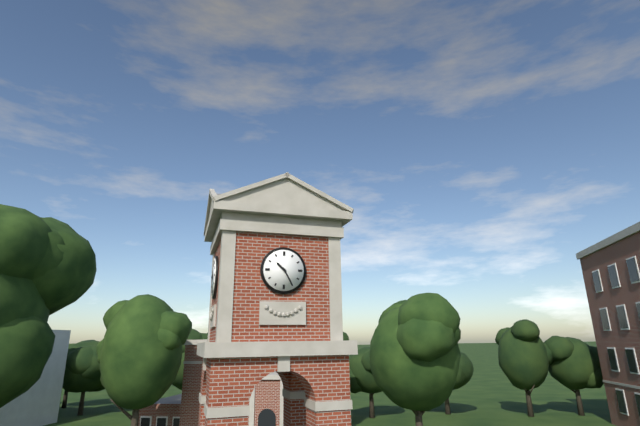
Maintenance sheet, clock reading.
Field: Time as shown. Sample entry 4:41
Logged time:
10:25
